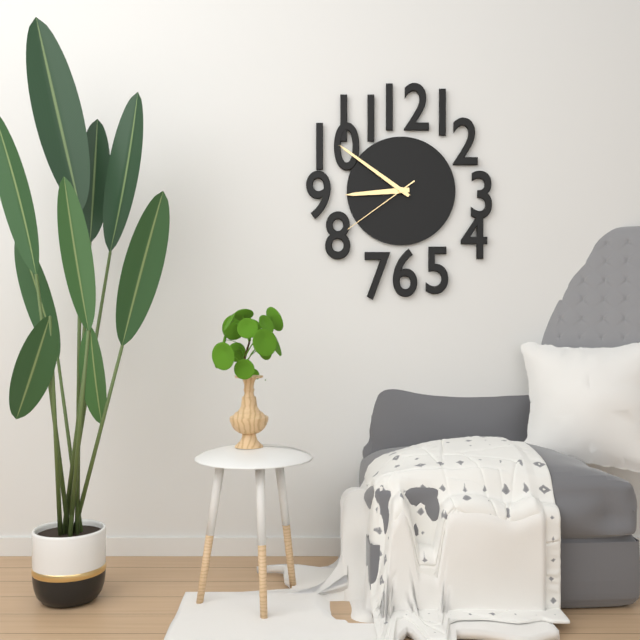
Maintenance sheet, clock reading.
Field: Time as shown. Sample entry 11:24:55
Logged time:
8:51:39
